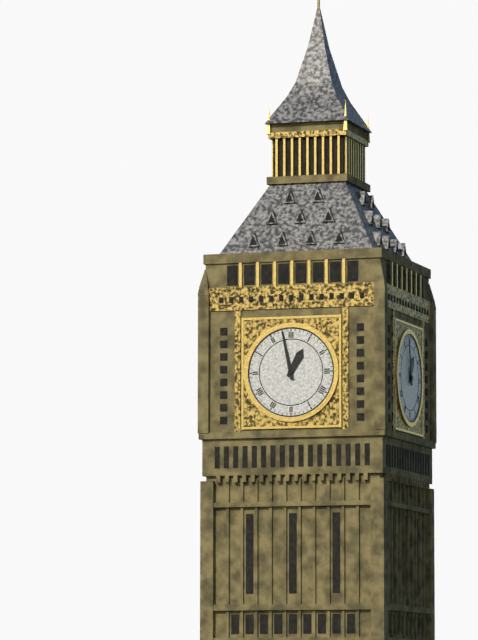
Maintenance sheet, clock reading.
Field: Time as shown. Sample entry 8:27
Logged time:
12:58
